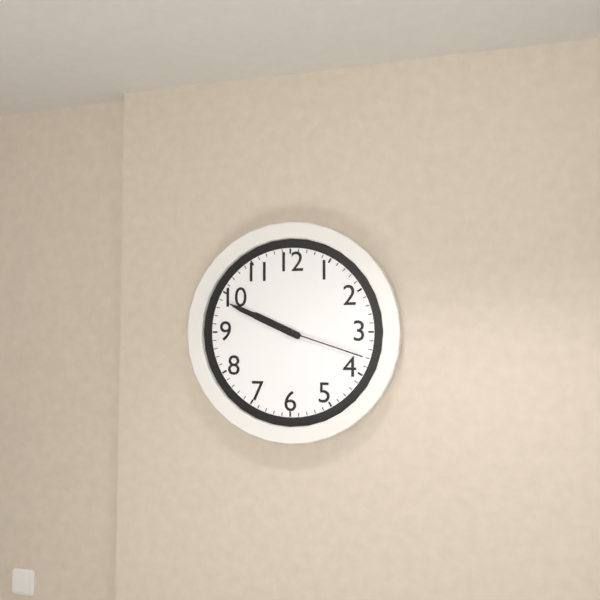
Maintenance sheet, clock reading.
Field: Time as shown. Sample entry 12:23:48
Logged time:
9:49:18
